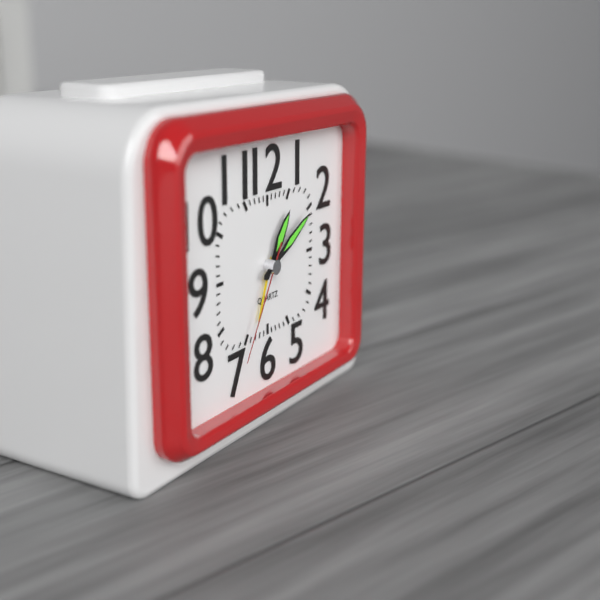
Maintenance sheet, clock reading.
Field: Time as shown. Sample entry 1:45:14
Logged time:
1:10:35
